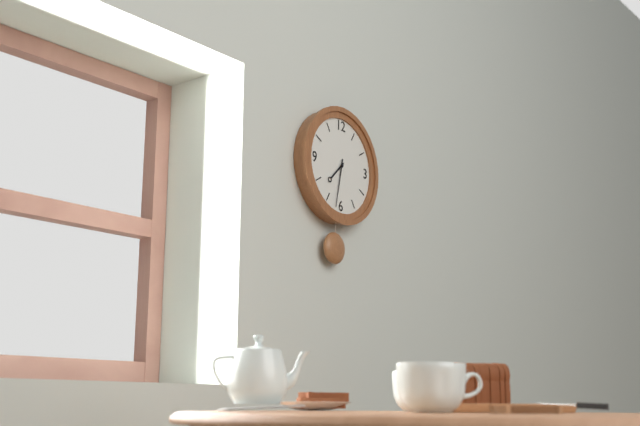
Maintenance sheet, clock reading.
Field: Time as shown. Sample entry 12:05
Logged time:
7:32
